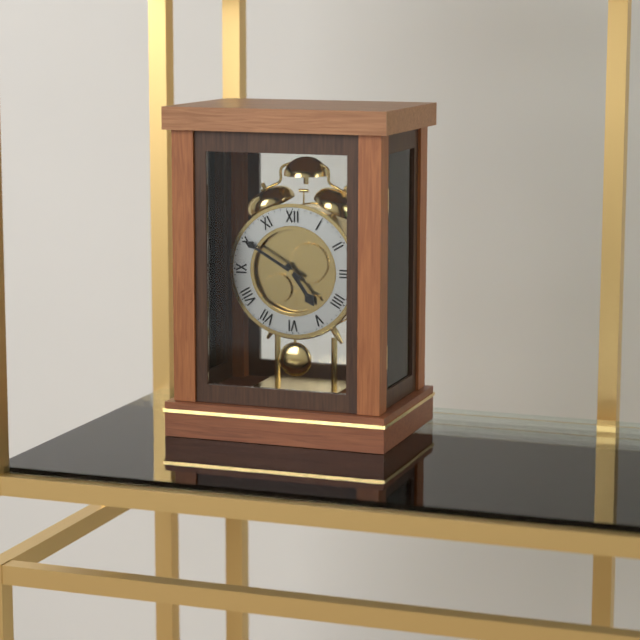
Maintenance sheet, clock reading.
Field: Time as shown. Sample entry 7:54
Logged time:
4:50
